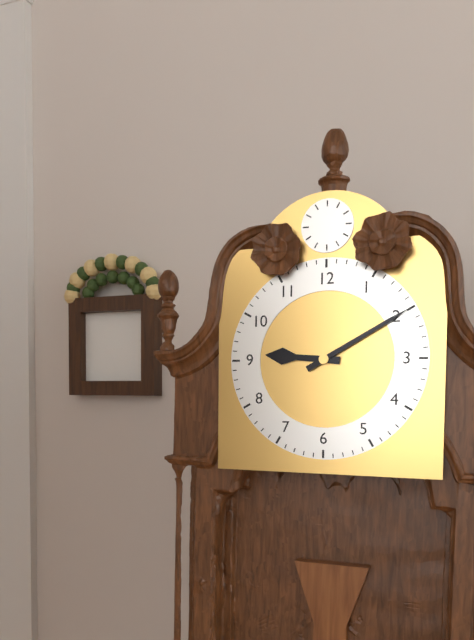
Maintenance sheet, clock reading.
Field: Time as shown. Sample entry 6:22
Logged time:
9:10
